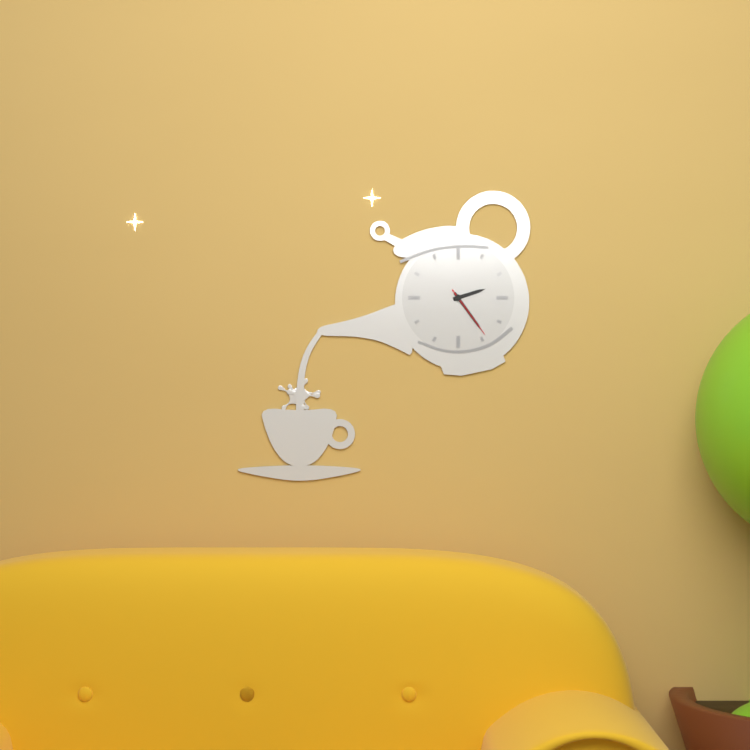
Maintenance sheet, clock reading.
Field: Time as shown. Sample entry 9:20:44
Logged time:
2:24:24
